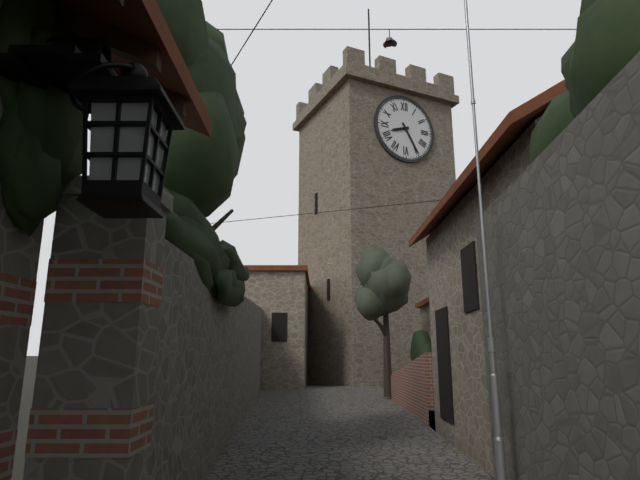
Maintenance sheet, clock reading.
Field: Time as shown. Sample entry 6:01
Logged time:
8:25
